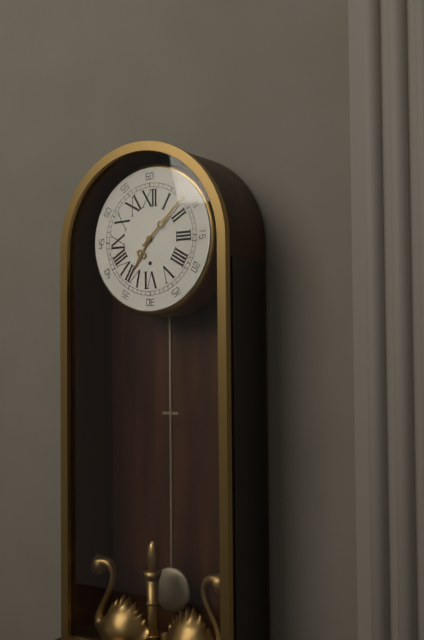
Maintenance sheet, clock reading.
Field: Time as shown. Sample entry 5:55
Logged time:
7:08
